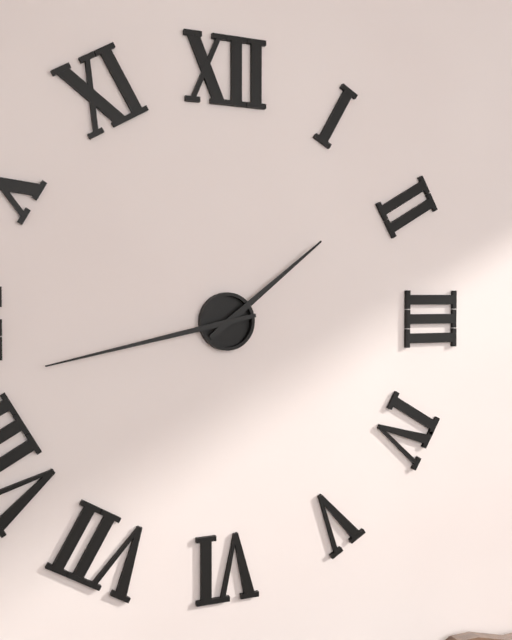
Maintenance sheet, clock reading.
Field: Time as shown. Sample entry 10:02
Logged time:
1:43
